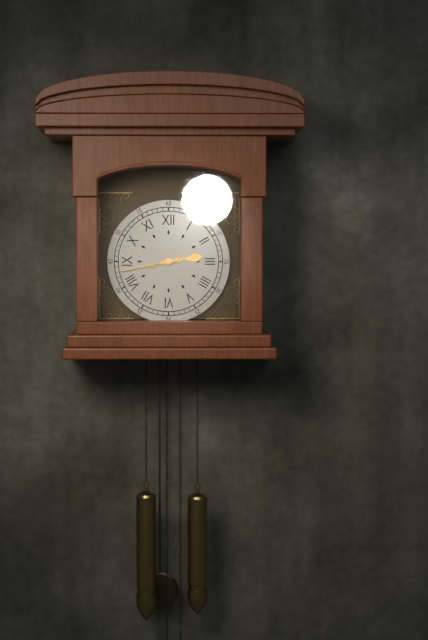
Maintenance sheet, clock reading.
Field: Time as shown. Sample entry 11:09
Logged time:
2:43
